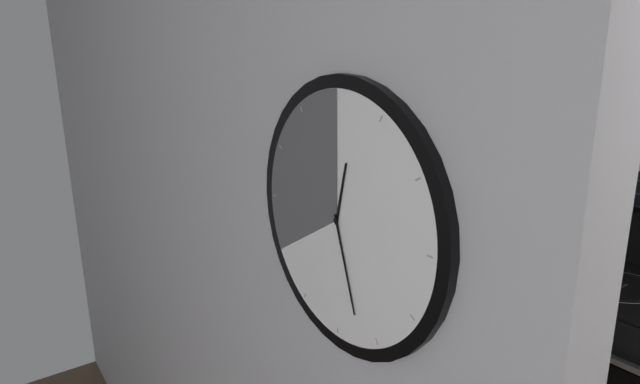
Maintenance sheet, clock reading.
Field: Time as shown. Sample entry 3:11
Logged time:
12:27
